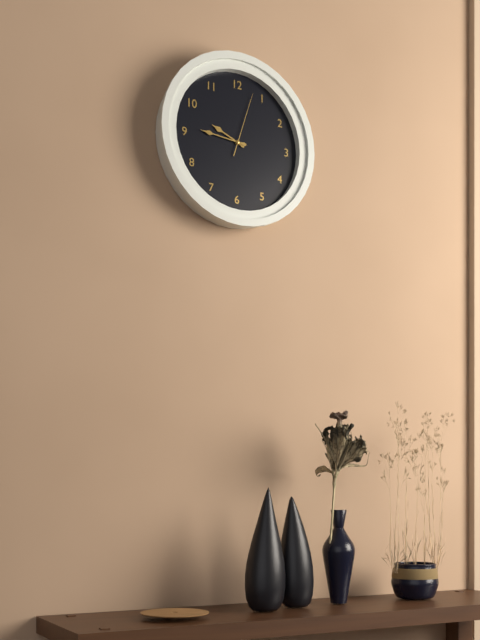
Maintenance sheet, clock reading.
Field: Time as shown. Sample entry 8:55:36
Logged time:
9:46:03
